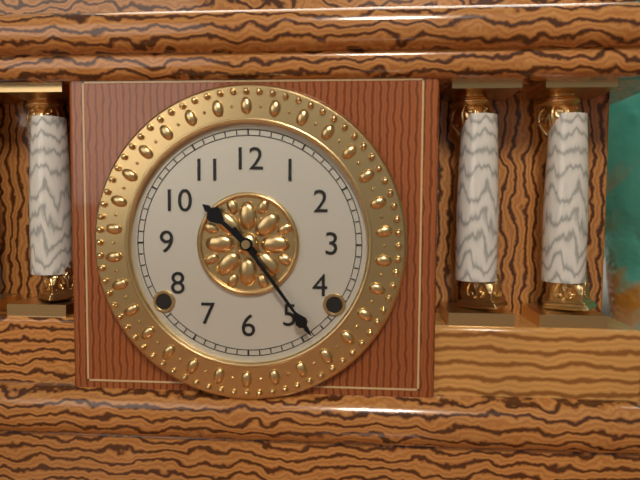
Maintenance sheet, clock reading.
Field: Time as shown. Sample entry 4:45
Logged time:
10:24
